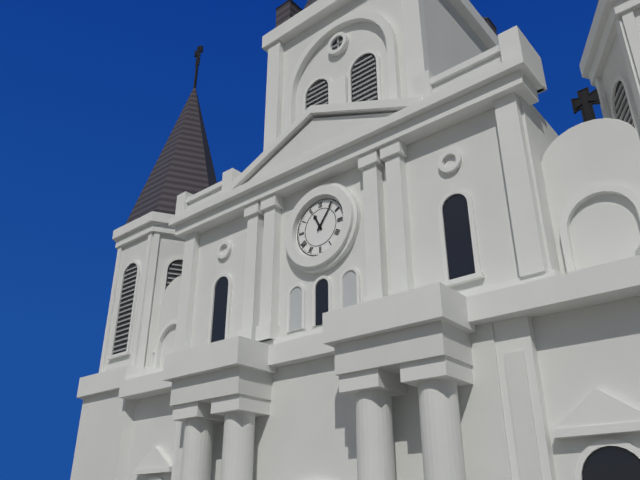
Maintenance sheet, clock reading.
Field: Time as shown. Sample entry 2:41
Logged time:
11:06
